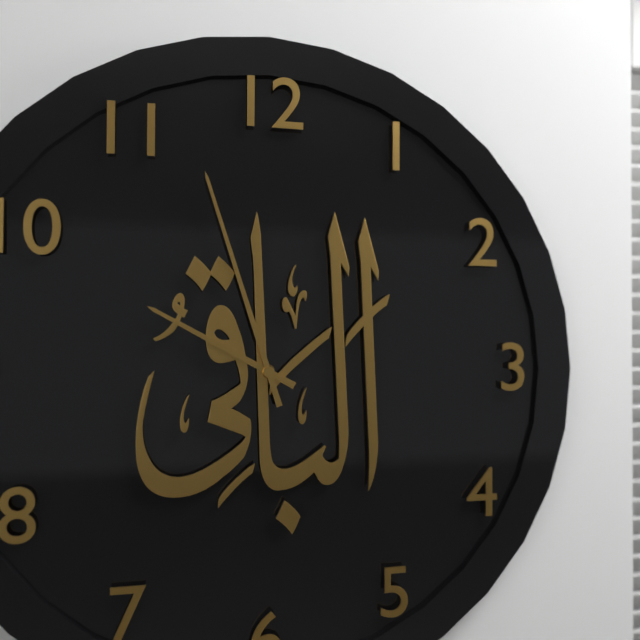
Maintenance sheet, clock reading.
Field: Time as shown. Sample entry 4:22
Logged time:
9:57
